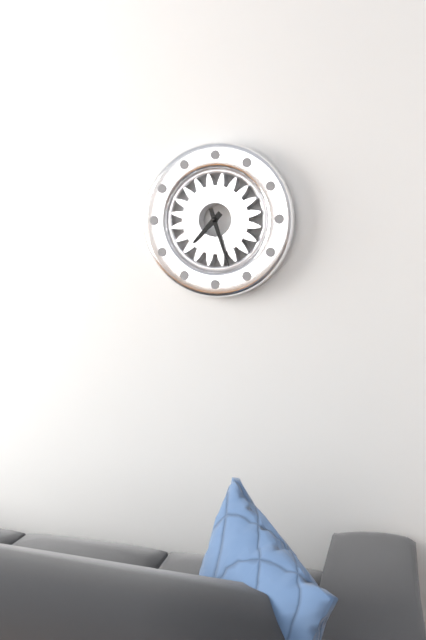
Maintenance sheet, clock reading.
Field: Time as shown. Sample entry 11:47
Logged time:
7:27
